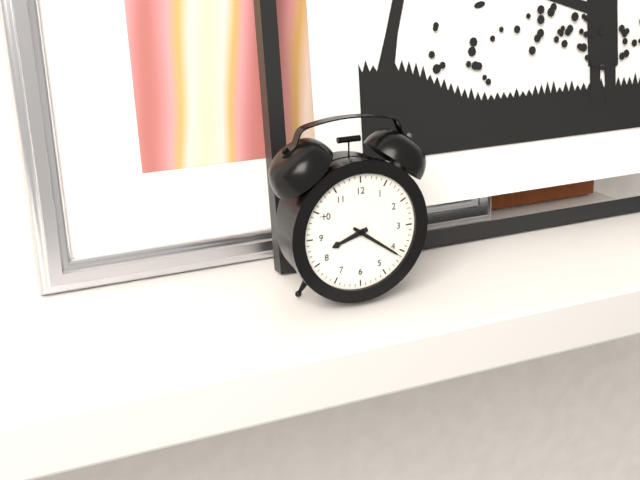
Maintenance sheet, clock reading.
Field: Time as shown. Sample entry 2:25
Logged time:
8:21
